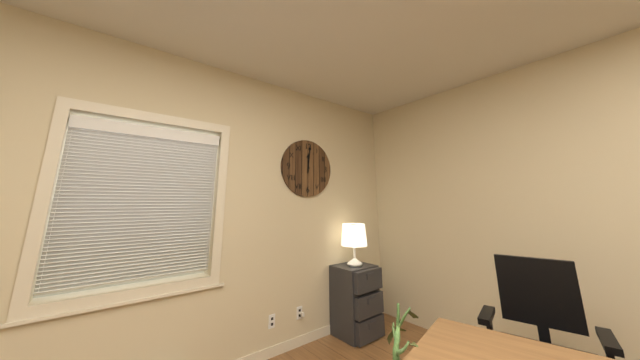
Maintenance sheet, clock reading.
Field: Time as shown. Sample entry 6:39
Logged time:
12:01
